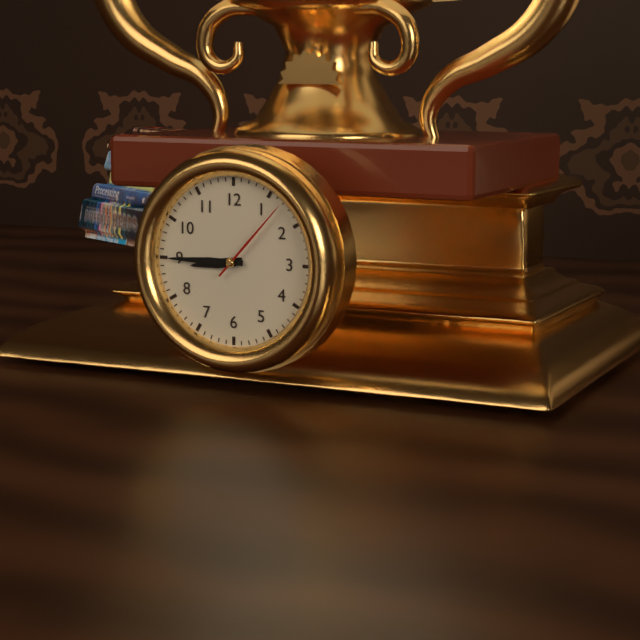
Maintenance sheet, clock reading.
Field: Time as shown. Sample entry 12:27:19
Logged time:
8:45:07
